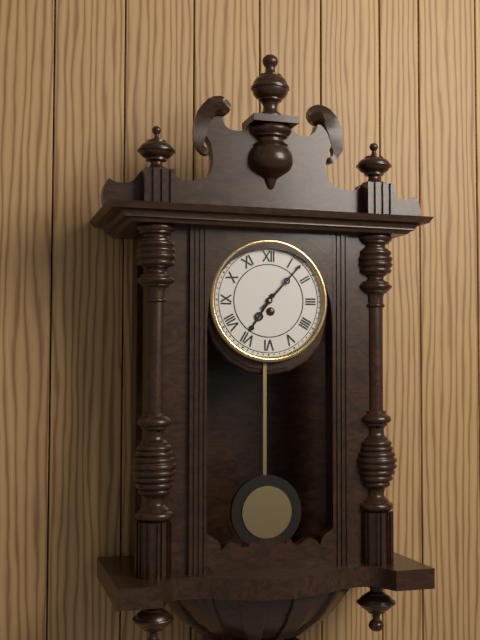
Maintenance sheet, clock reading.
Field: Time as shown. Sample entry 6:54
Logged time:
7:07
